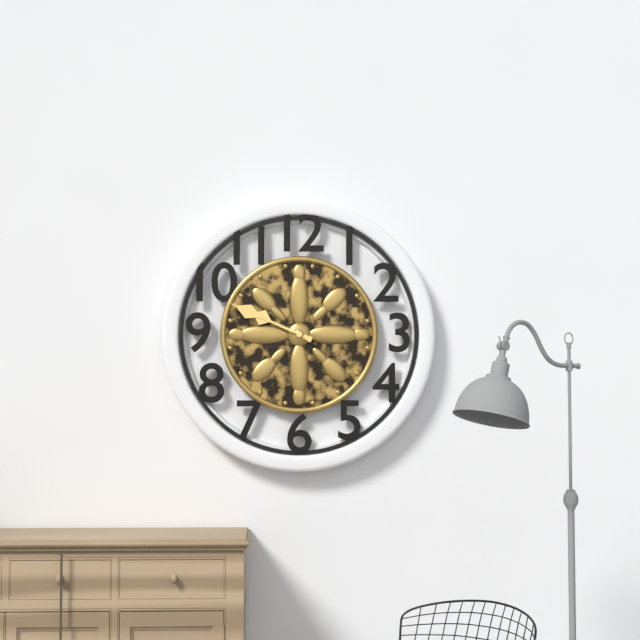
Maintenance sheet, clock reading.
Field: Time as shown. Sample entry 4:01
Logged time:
9:49
